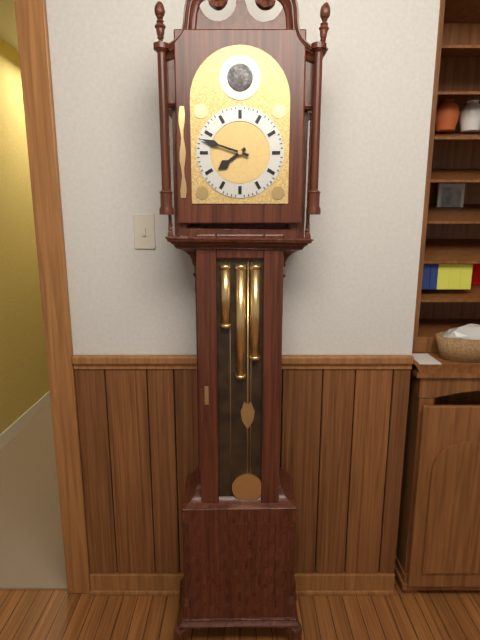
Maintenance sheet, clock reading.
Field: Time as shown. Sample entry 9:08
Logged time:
7:48
